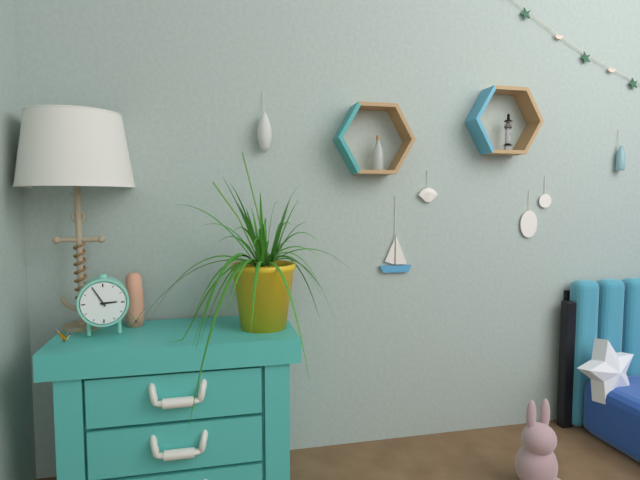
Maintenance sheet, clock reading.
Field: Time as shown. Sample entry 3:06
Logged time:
2:55
